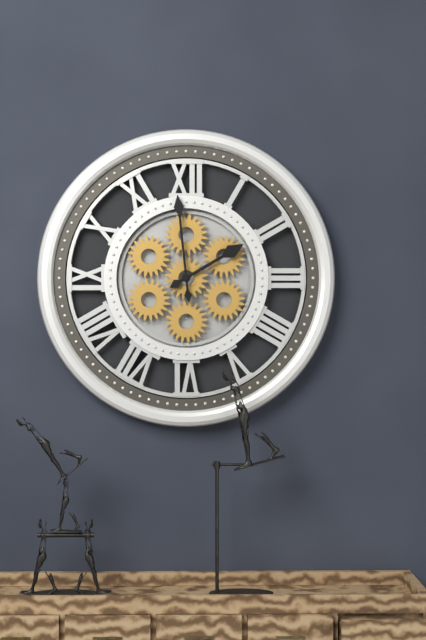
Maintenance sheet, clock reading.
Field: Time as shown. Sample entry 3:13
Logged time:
1:59
